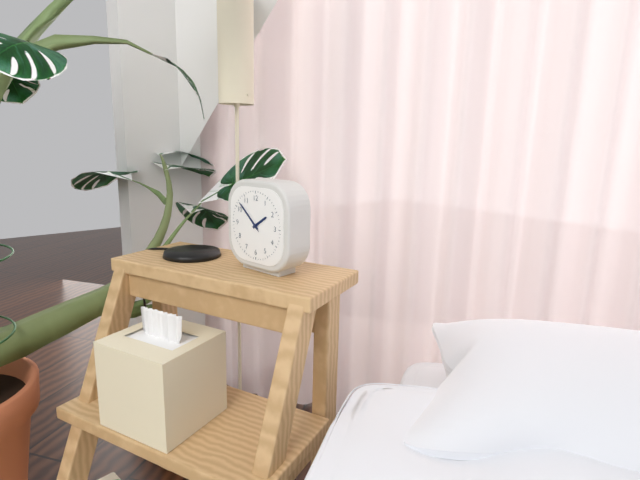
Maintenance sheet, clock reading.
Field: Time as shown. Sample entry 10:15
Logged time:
1:52
